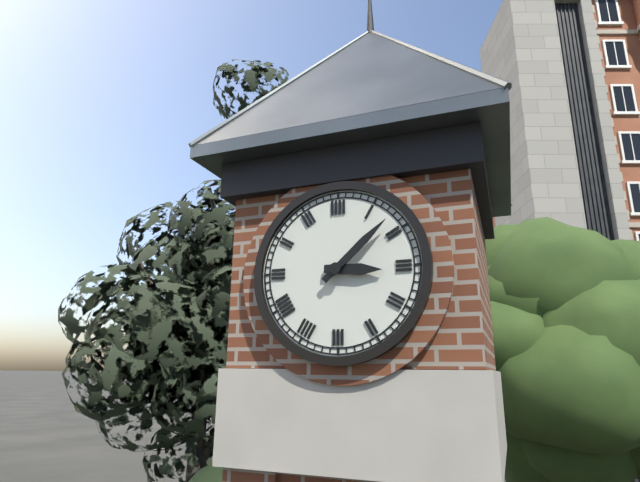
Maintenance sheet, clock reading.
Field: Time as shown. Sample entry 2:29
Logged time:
3:08
